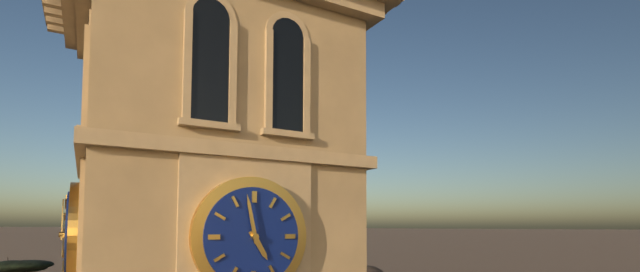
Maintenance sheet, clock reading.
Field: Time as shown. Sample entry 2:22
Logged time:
4:58
